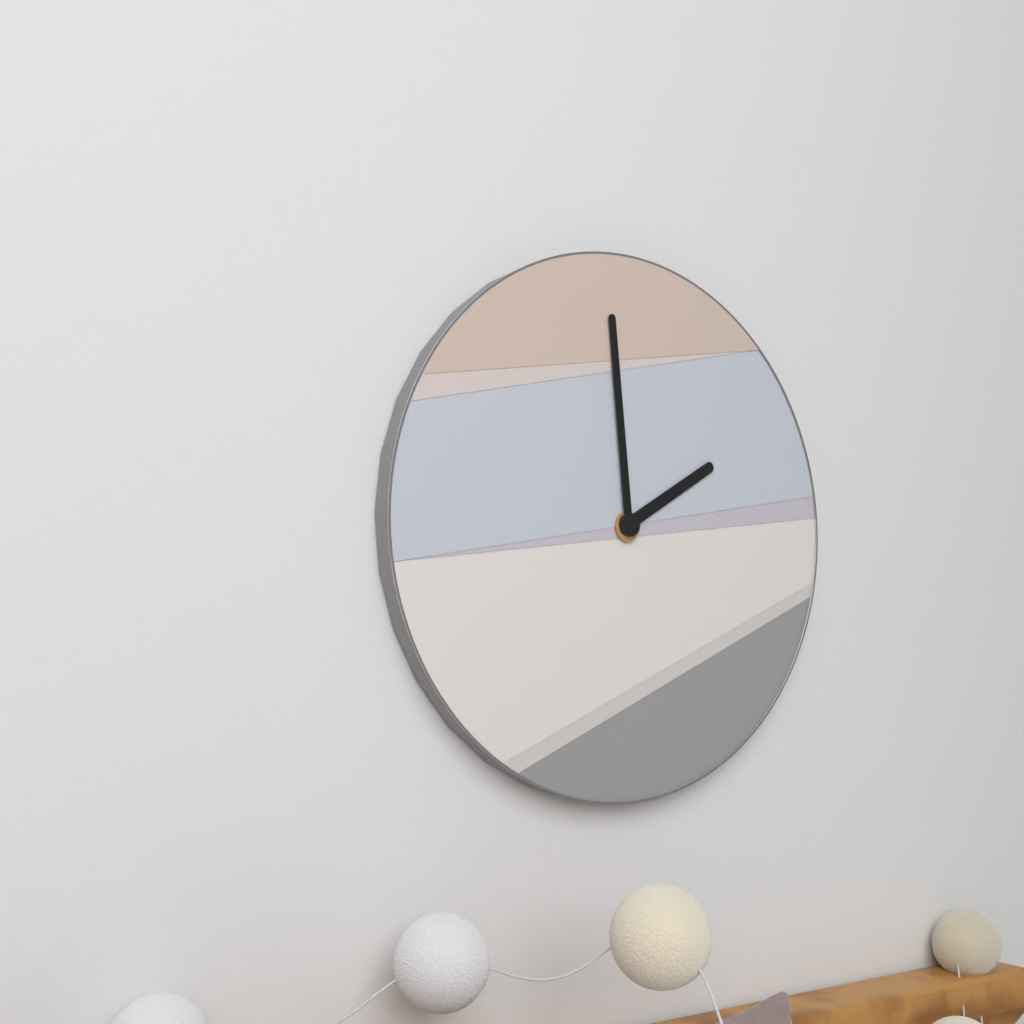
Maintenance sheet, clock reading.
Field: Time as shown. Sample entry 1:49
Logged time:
1:59
